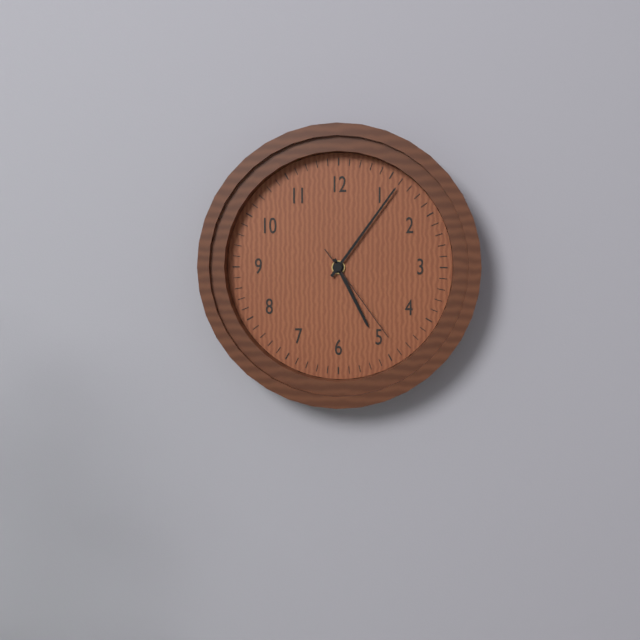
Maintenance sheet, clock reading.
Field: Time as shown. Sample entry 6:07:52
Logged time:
5:06:24
